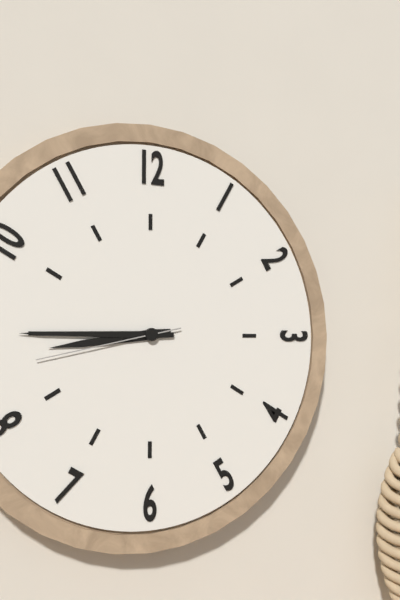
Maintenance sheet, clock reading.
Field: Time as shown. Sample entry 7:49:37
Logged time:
8:45:43
